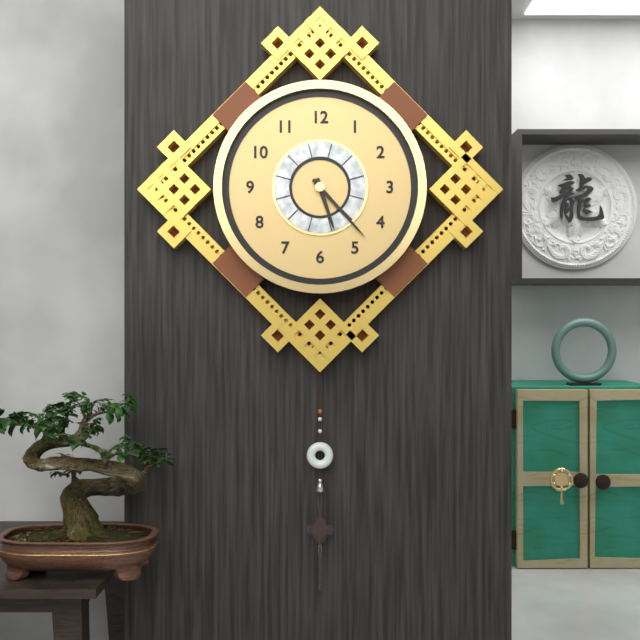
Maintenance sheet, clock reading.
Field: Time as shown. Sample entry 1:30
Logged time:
5:23
